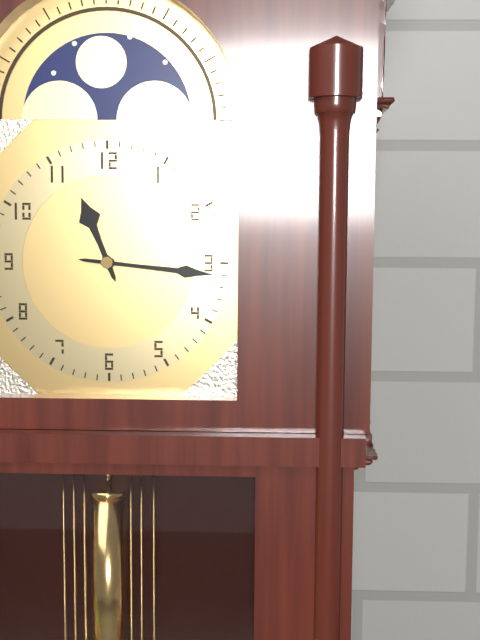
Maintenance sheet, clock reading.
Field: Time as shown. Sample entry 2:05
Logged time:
11:16
